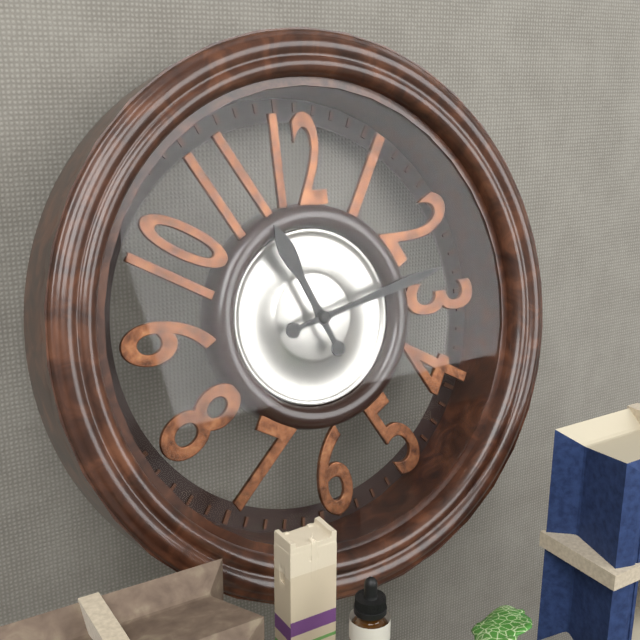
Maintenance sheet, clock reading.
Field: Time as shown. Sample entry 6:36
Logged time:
11:13
